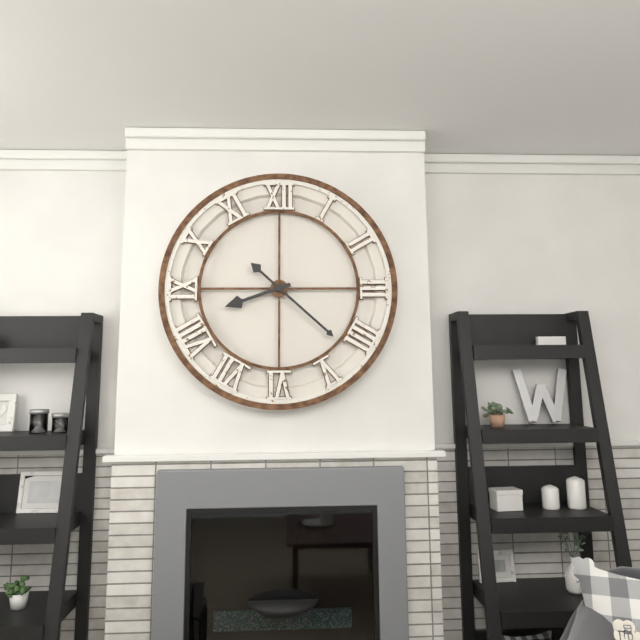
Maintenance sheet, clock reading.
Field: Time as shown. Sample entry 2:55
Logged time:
8:22
